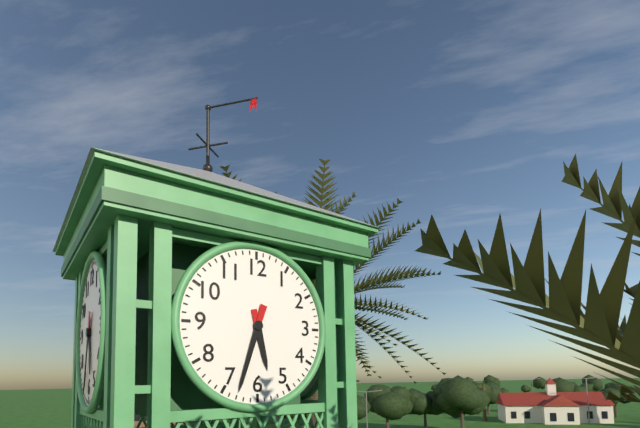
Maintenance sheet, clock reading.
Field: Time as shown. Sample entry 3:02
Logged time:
5:33
